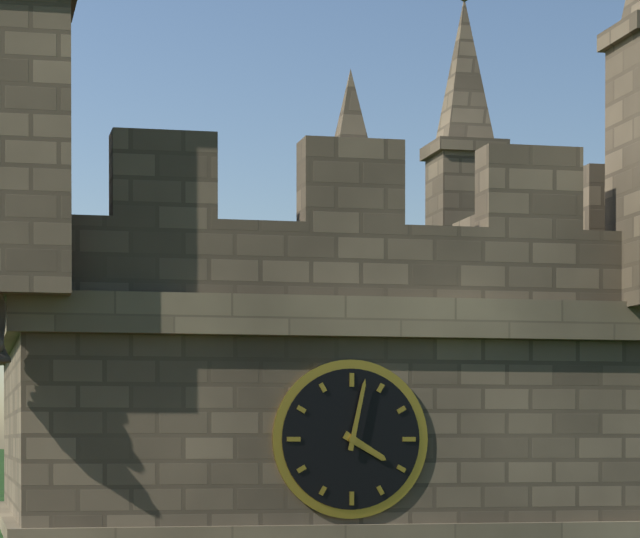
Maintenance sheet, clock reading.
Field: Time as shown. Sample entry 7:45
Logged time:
4:02
